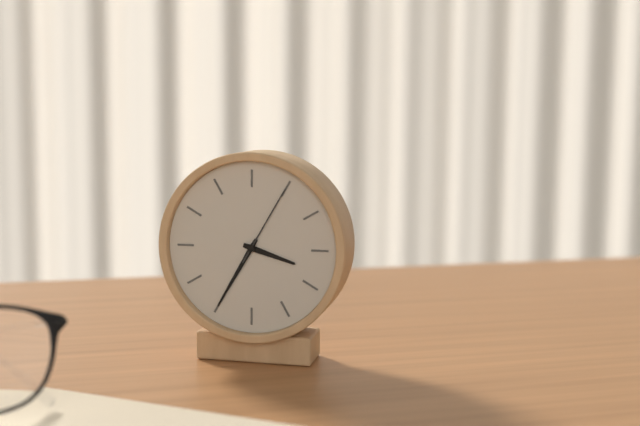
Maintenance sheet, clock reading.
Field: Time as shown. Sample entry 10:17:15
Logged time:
3:35:05
